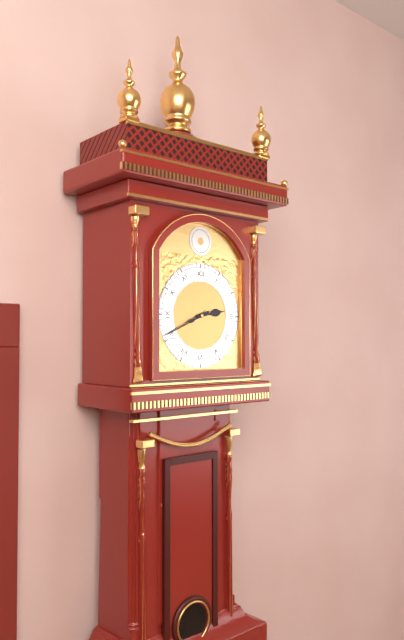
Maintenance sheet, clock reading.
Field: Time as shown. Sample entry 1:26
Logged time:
2:41
